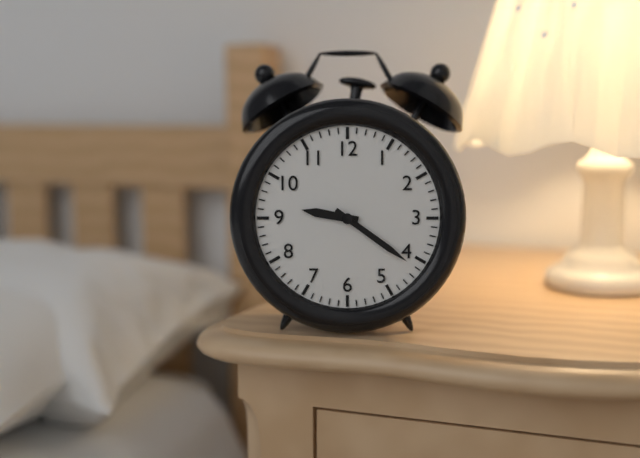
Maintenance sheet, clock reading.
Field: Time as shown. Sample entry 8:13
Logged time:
9:21
